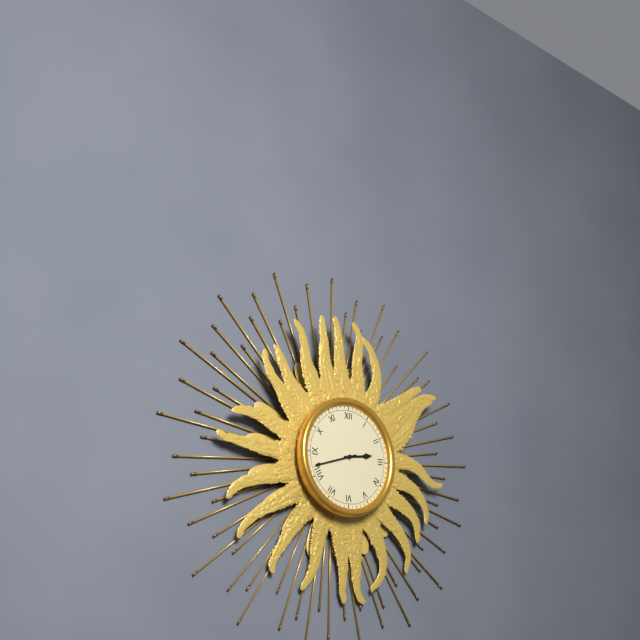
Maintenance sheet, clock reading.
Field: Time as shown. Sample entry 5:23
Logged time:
2:42
